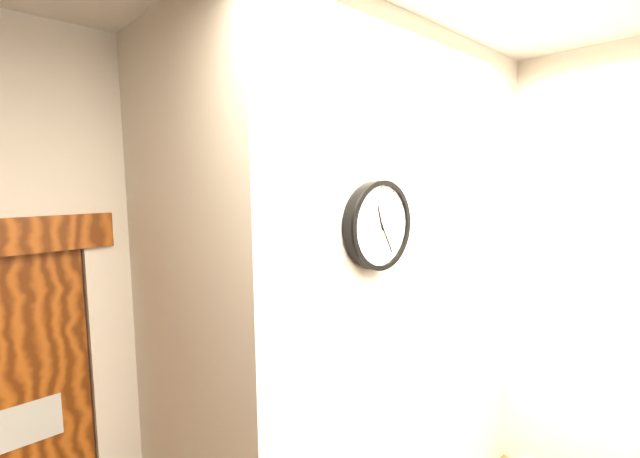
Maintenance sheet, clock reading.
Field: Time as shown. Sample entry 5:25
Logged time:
11:25
